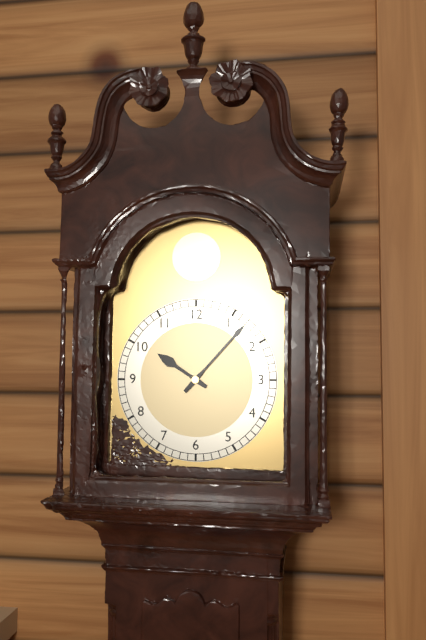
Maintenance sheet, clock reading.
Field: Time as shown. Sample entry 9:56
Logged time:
10:07
